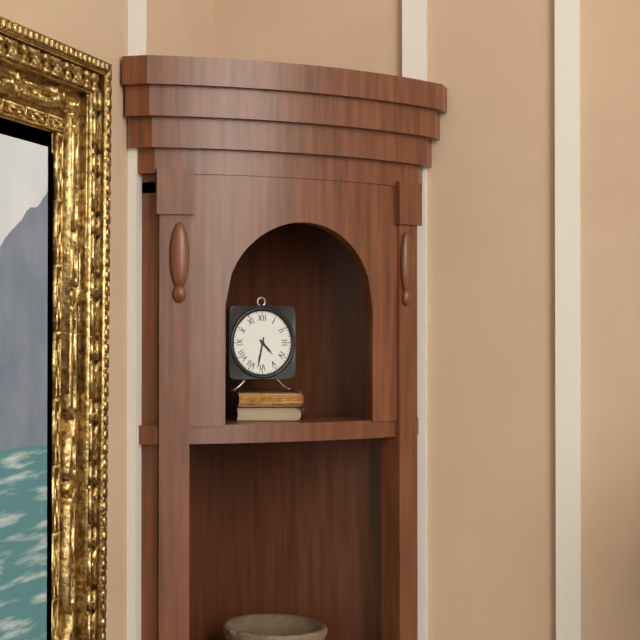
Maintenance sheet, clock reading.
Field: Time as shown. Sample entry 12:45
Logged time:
4:32
